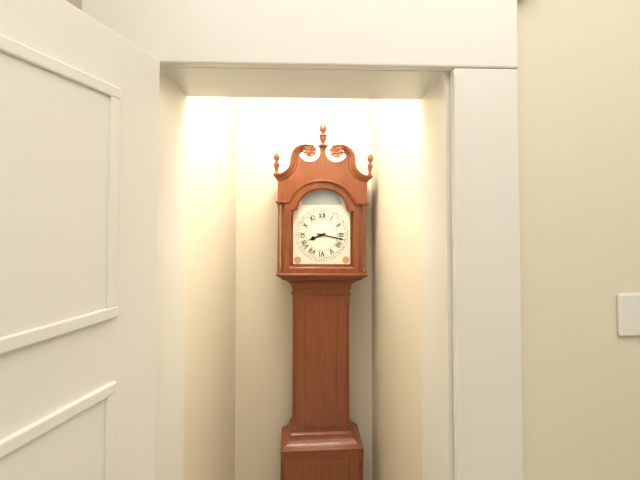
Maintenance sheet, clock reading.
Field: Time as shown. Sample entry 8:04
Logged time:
8:17
